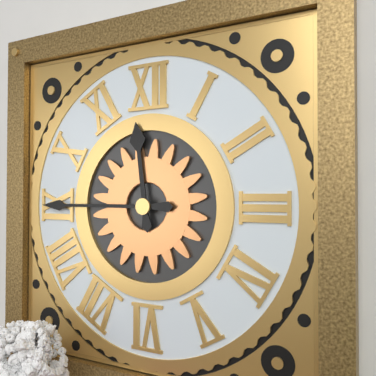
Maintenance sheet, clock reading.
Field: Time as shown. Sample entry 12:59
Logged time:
11:45
